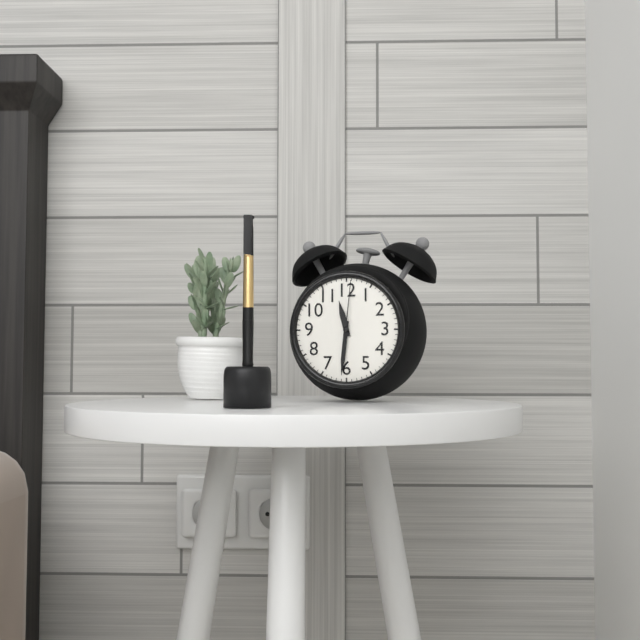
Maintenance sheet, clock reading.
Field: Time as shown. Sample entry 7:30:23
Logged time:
11:31:01
